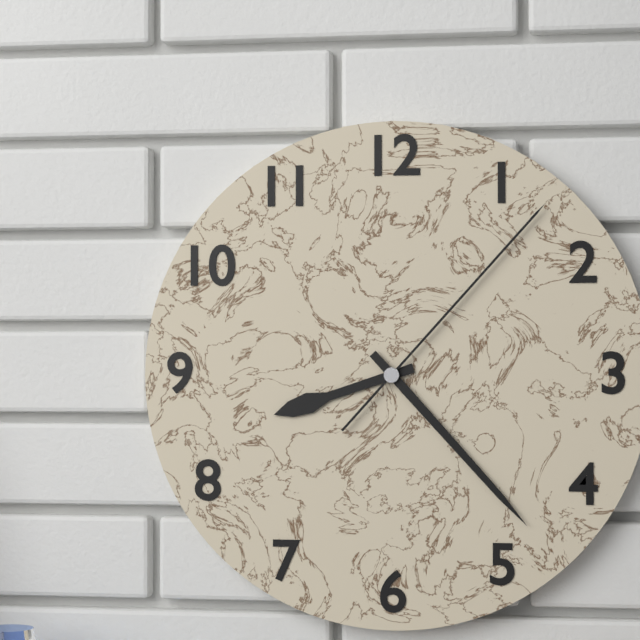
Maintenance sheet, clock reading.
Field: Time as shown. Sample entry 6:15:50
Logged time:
8:23:07
